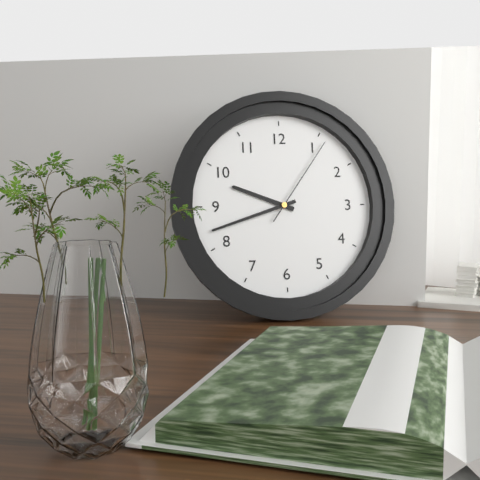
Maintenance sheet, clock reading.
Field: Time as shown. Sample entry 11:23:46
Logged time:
9:42:06
